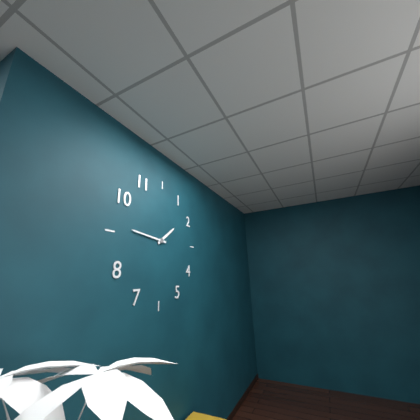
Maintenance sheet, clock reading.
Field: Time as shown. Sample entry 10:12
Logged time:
1:46
